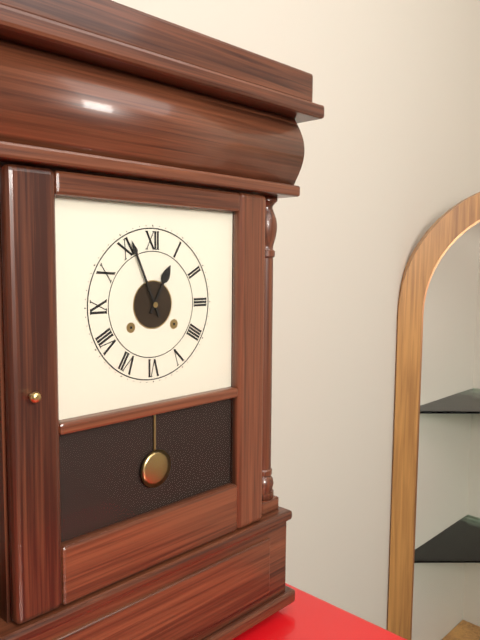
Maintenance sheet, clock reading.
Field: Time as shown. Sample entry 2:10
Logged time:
12:56
